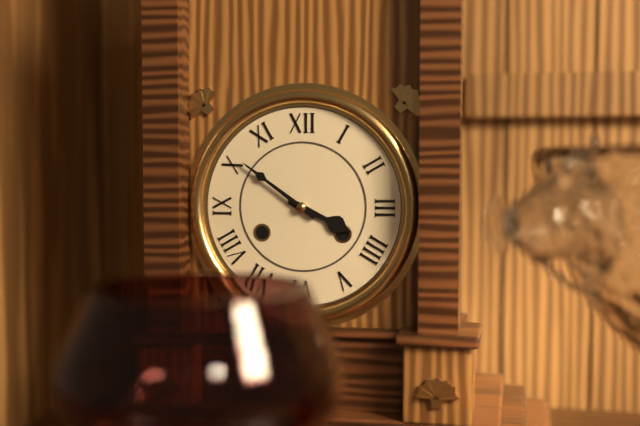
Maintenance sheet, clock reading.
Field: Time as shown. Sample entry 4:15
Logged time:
3:51
